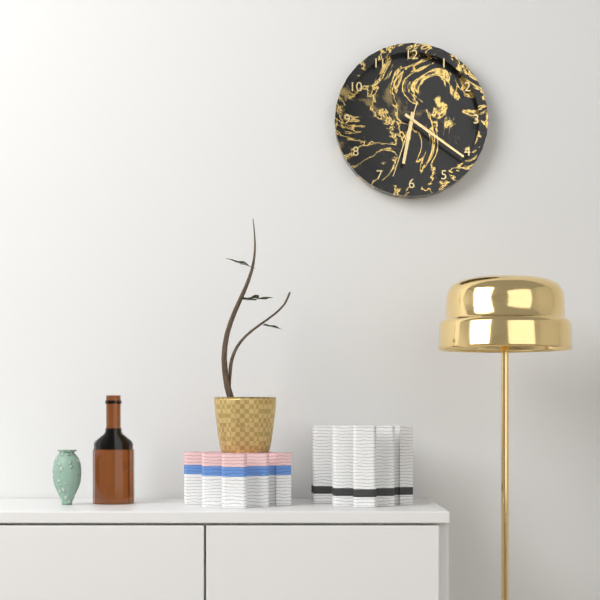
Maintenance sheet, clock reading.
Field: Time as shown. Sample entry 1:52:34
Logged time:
6:21:33
